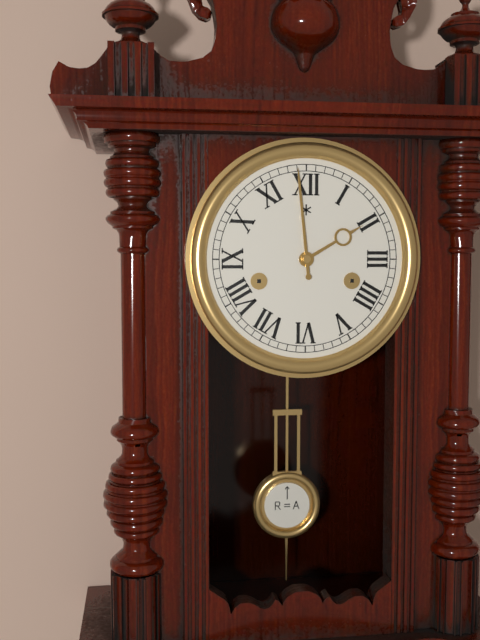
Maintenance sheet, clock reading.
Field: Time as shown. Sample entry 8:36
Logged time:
1:59
